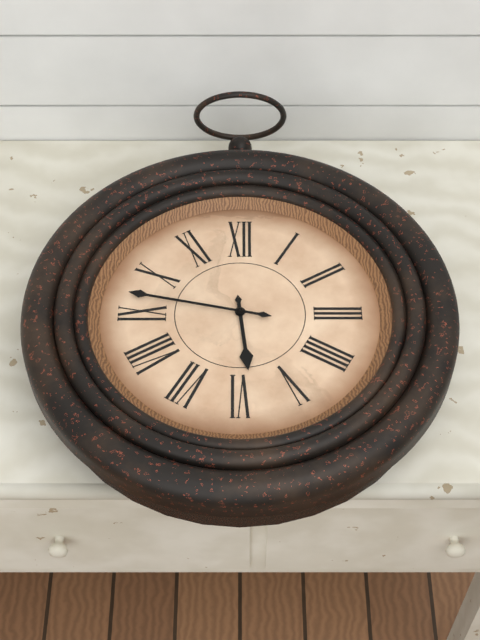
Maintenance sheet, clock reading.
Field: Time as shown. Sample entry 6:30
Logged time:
5:47
